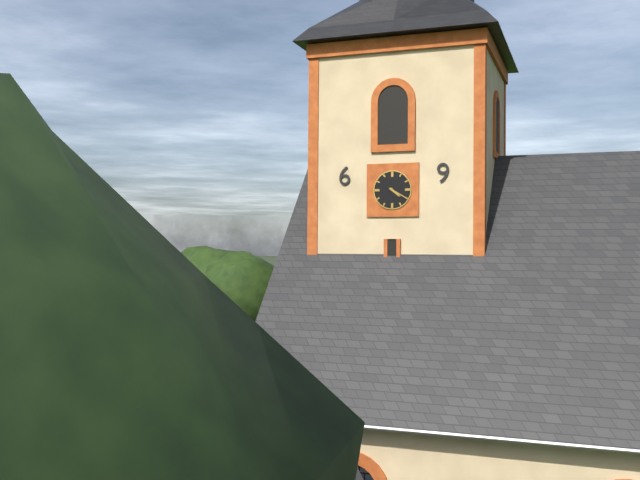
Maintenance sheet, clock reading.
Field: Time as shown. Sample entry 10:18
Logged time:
4:20
